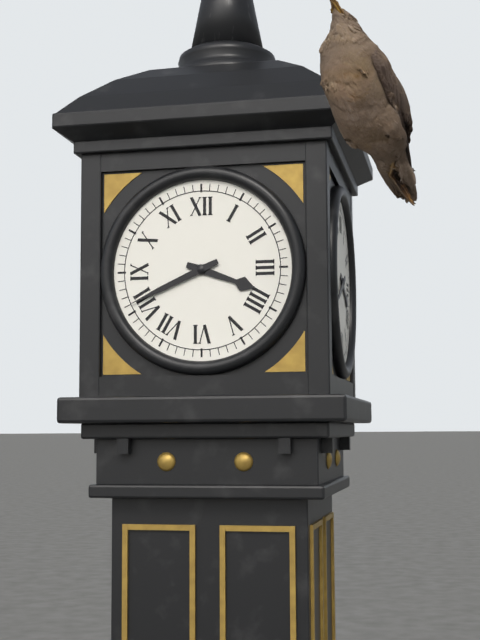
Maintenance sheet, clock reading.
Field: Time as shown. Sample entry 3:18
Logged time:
3:41
